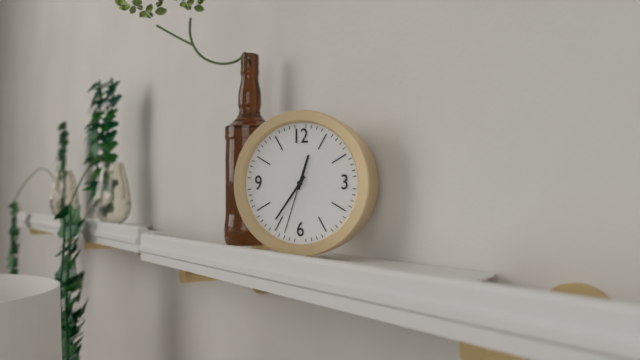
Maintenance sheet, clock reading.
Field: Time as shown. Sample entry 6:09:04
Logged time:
12:36:33
